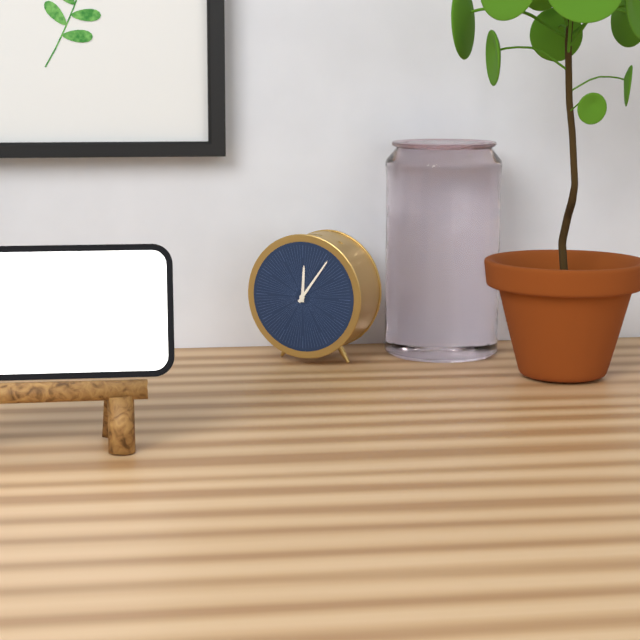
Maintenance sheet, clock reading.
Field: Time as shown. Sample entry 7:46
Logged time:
12:06
